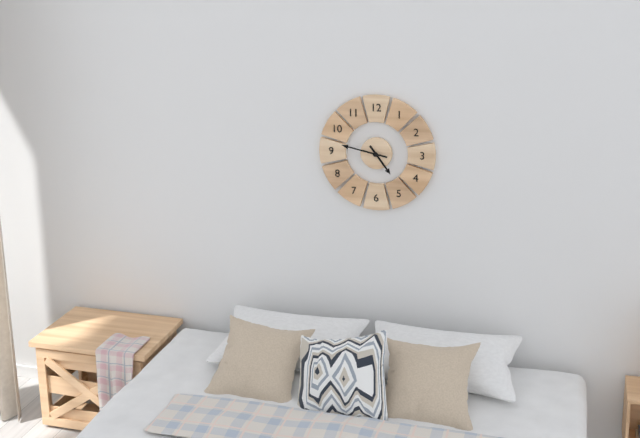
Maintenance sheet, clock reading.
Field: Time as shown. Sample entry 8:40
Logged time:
4:47
